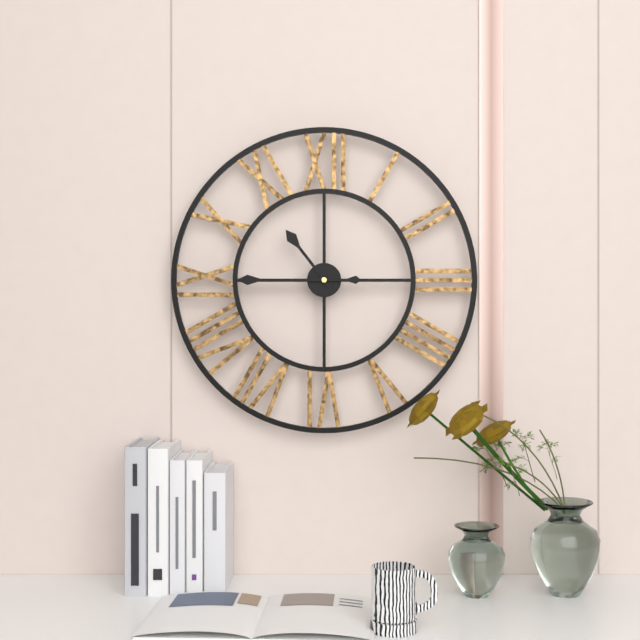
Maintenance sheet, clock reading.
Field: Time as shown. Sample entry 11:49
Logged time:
10:45
